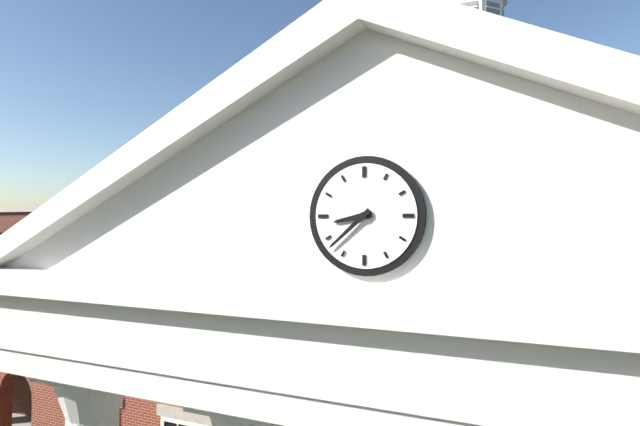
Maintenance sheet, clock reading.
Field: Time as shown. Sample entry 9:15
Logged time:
8:38
